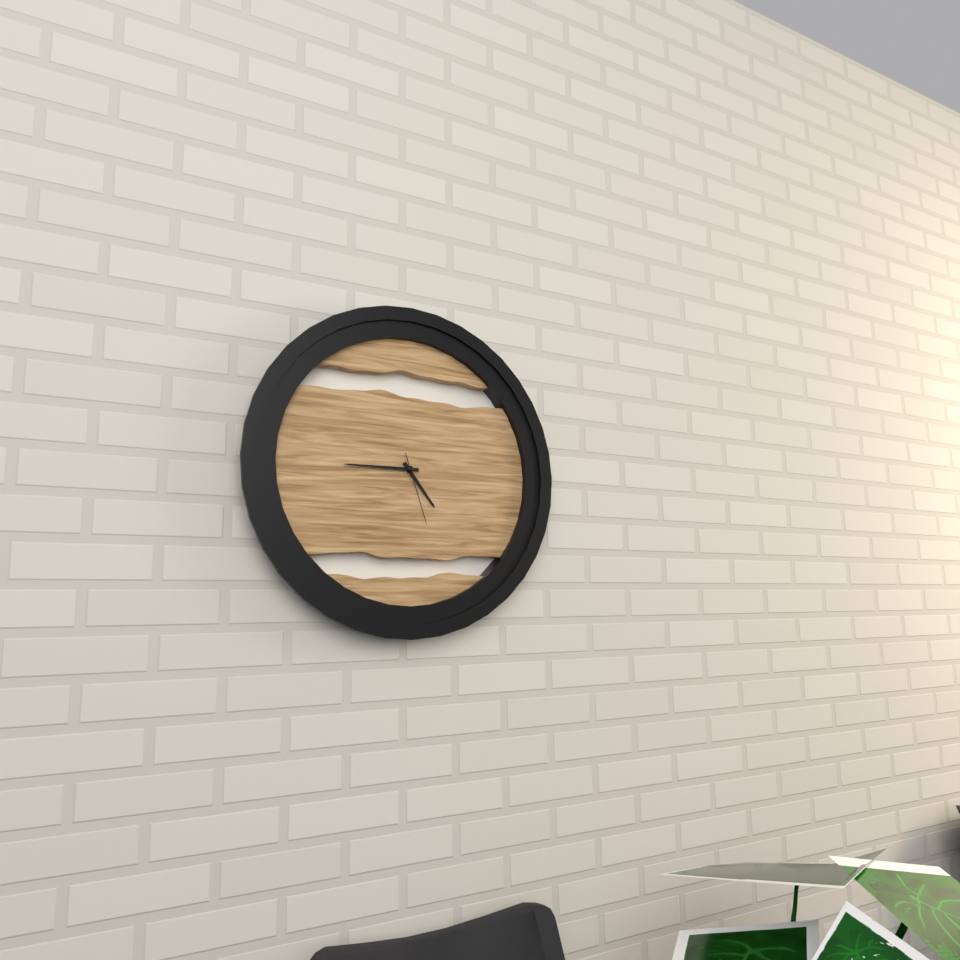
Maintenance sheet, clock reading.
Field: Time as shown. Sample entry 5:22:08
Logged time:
4:45:27
